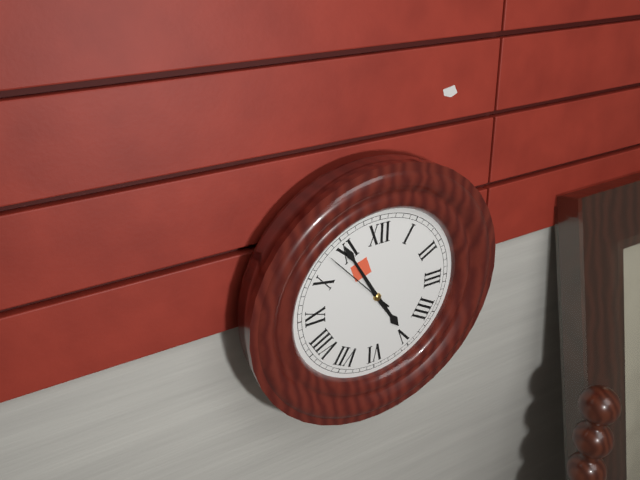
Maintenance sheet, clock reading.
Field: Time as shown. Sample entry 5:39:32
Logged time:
4:55:53
